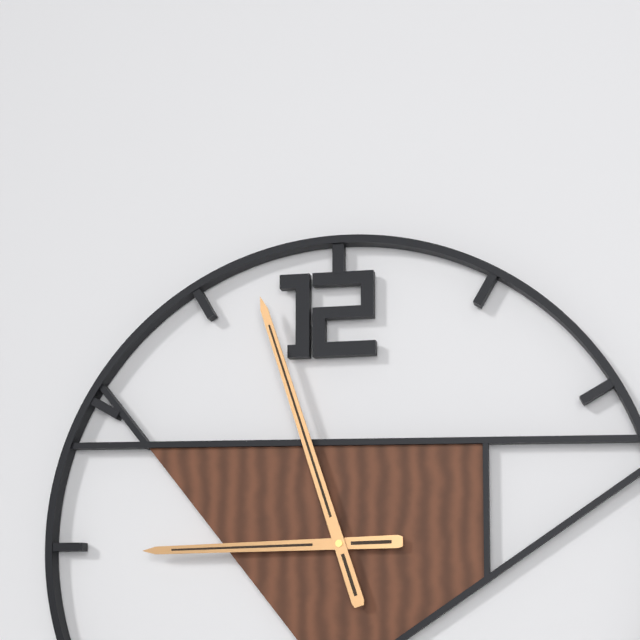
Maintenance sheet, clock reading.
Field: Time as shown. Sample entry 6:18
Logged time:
8:57
